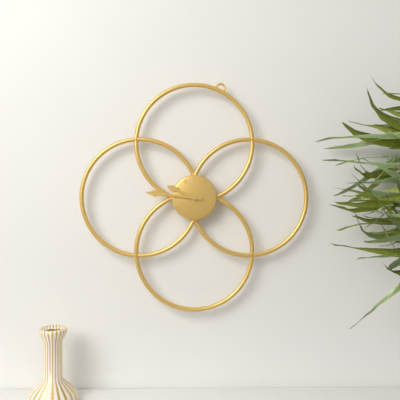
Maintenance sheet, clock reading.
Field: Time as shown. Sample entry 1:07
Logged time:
9:46
